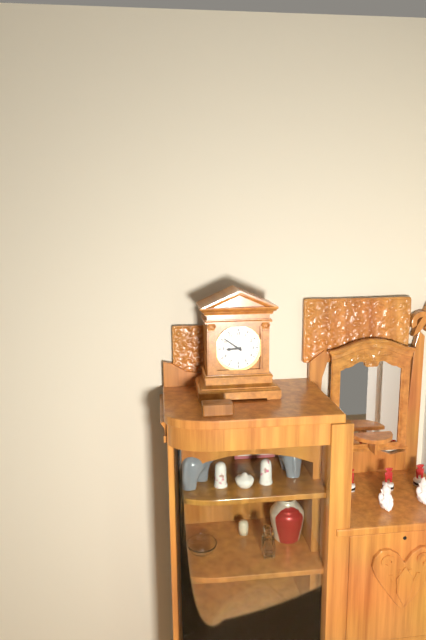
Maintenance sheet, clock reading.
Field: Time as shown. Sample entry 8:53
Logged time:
8:51
